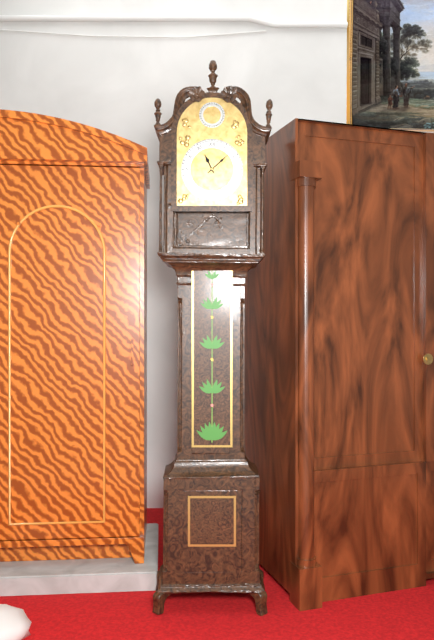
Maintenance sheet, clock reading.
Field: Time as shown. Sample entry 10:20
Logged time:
11:08
